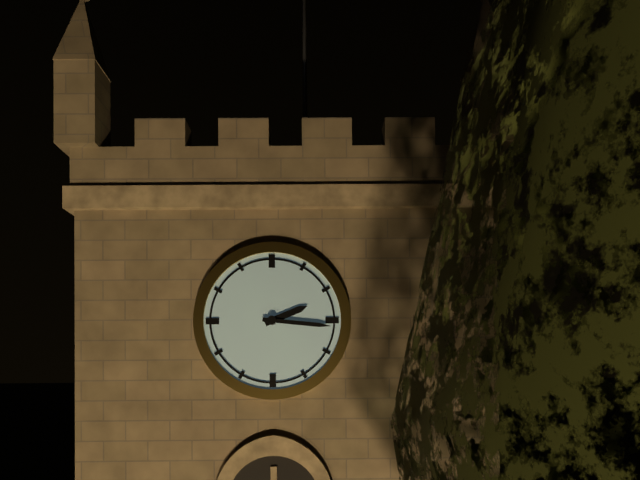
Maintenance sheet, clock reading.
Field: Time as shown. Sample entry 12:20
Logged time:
2:16
